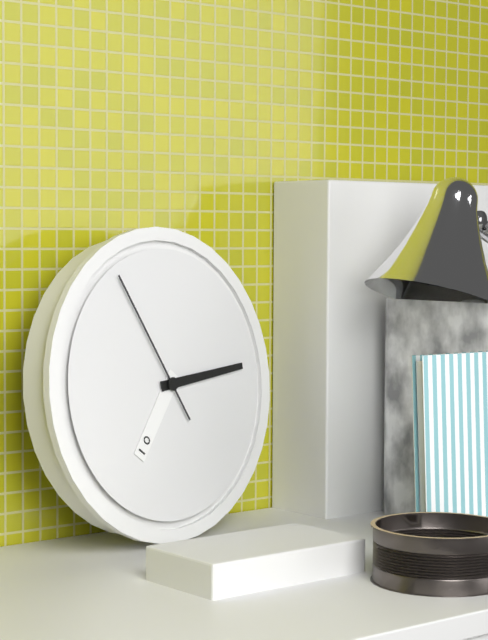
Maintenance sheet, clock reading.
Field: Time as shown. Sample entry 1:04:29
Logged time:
7:14:55
